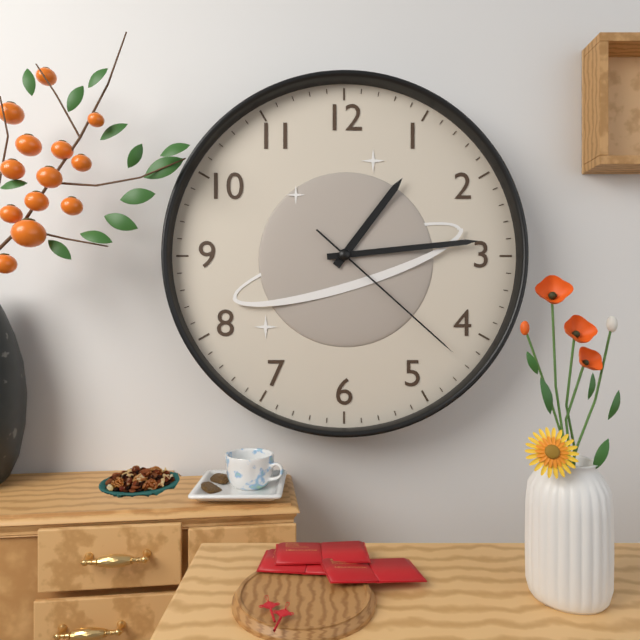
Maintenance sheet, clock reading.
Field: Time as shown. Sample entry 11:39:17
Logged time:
1:14:22
